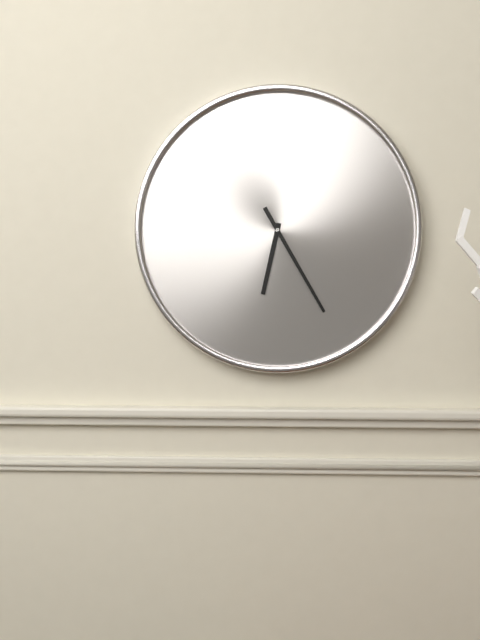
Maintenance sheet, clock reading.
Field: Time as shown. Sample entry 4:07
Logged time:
6:25
